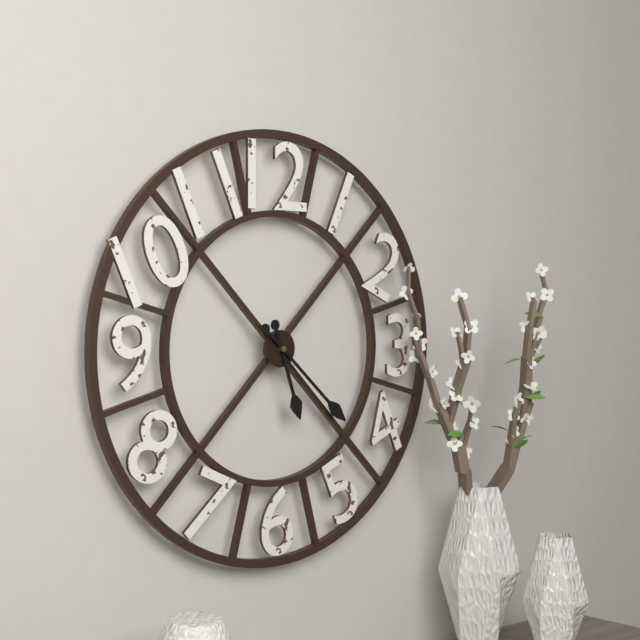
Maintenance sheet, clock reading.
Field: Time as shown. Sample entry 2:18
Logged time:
5:22
